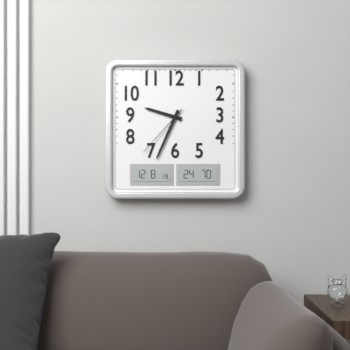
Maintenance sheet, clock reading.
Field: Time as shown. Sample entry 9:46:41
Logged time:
9:34:37
